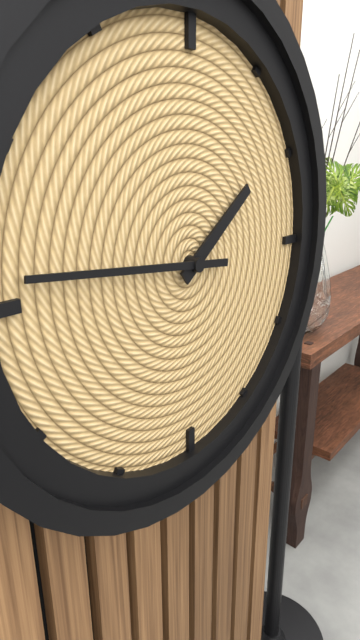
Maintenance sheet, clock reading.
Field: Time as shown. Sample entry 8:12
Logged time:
1:46
